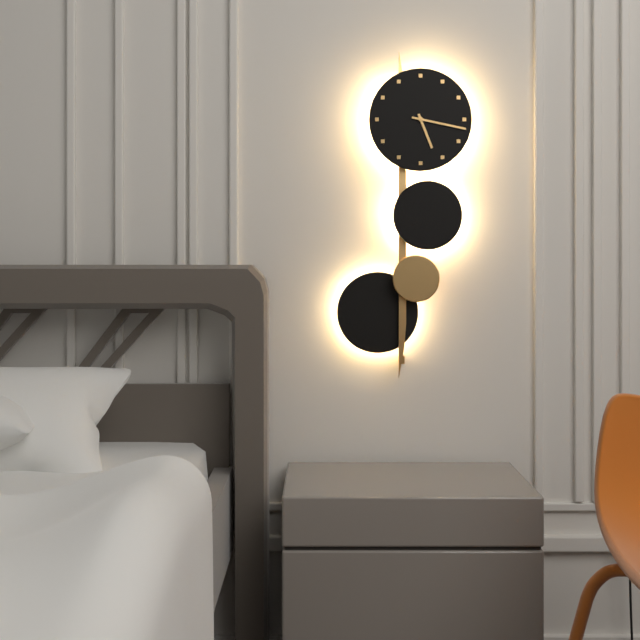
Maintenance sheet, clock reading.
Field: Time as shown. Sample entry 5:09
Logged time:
5:17
